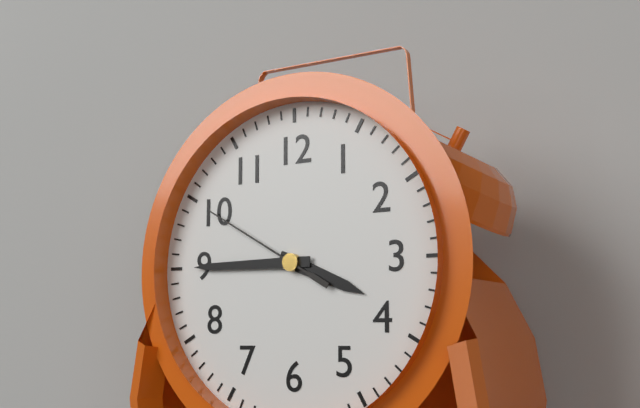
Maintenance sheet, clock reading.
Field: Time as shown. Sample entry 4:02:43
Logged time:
3:45:50
